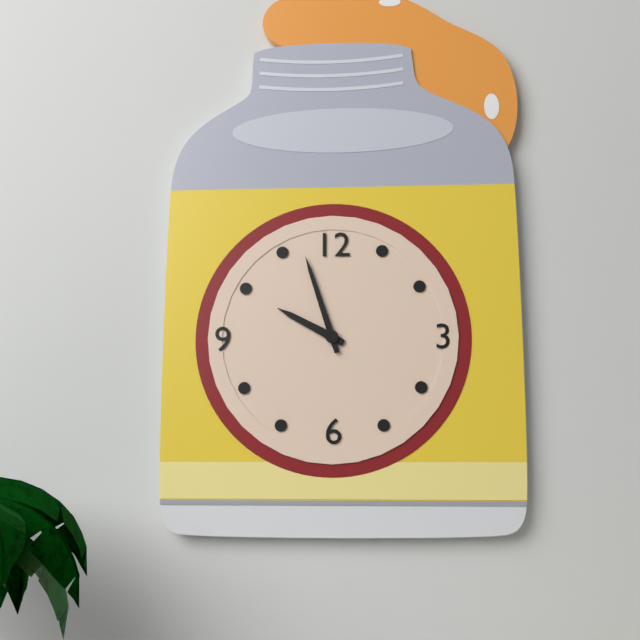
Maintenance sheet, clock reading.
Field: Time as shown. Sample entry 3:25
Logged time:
9:57
